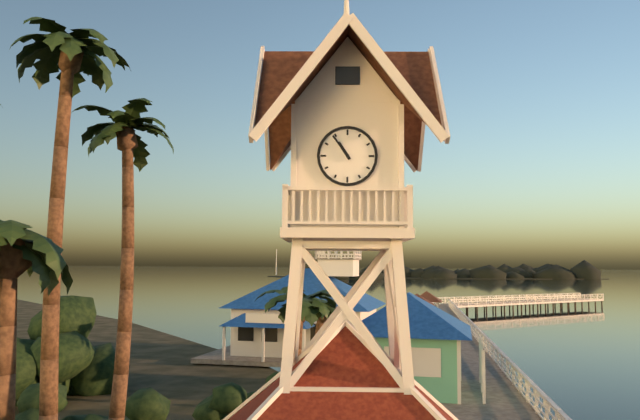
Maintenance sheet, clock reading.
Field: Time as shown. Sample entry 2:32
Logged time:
10:54
